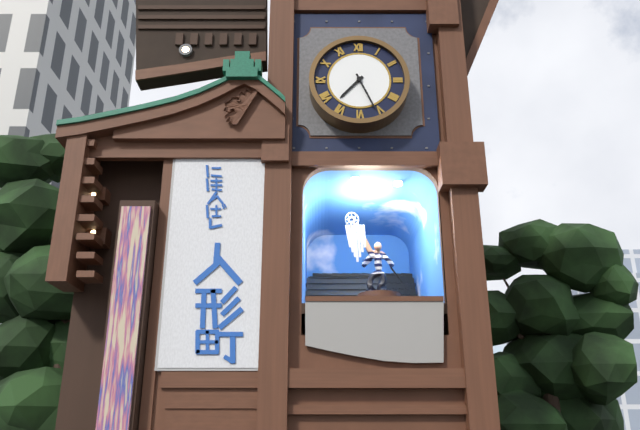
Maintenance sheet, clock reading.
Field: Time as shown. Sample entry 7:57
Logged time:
7:26
